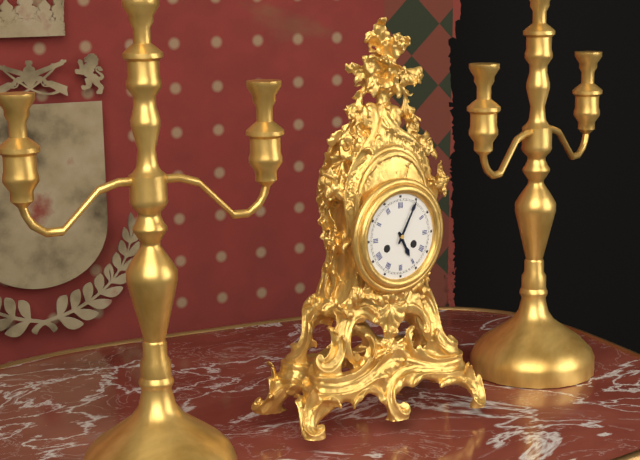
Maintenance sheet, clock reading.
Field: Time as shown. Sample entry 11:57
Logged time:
5:05
